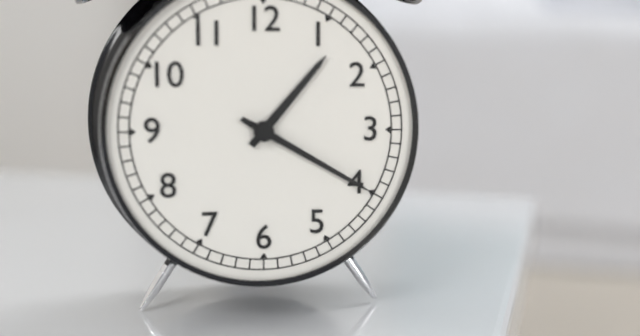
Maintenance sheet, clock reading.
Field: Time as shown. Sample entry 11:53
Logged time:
1:20
